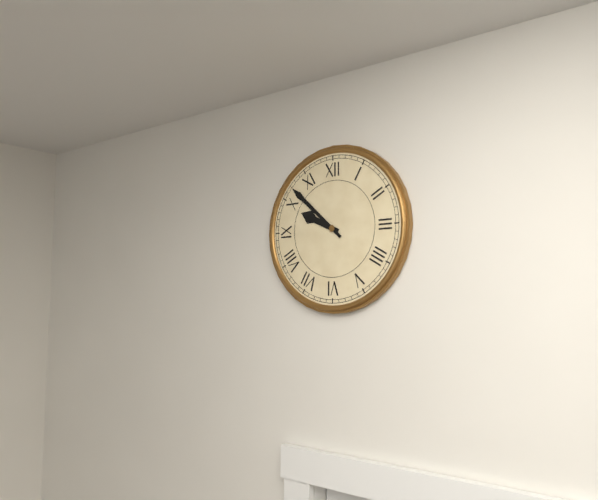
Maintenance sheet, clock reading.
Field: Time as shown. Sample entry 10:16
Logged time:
9:52
